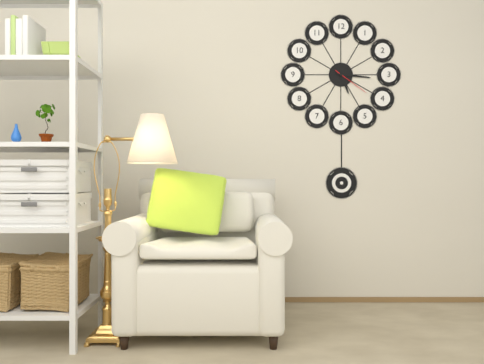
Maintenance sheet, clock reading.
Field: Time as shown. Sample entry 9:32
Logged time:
5:16
